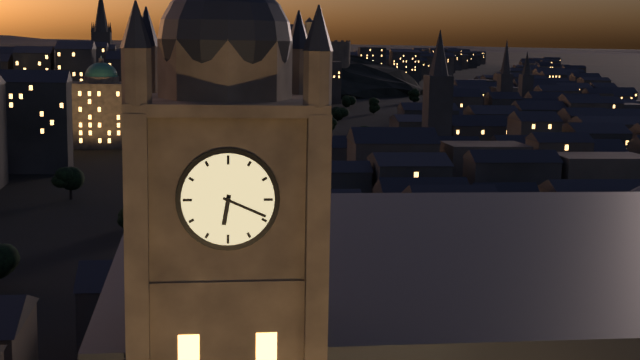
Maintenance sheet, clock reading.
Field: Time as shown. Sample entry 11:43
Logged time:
6:19
